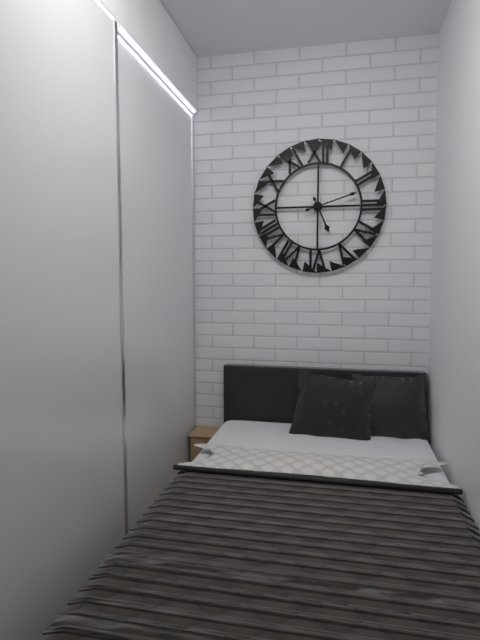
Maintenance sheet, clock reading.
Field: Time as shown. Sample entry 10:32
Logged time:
5:12
